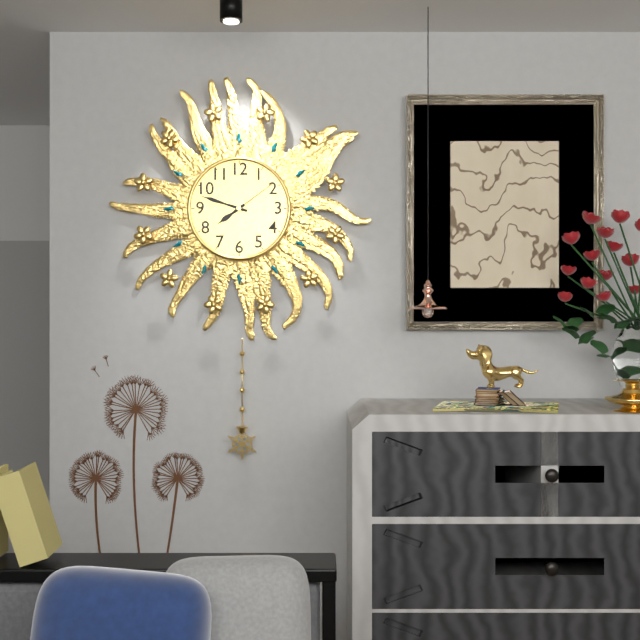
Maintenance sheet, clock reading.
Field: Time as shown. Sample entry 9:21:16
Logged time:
7:48:09
